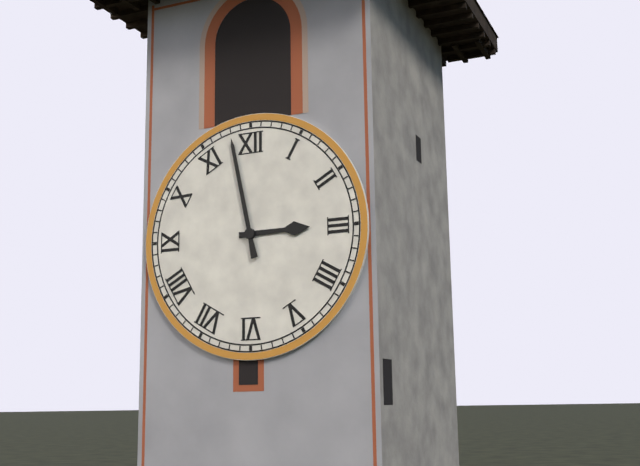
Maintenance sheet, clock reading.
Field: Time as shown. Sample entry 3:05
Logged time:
2:58
